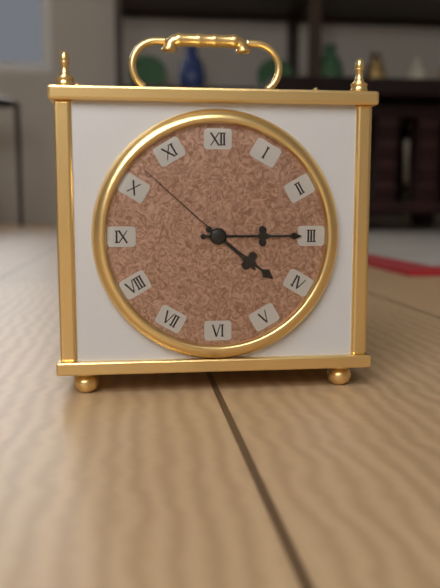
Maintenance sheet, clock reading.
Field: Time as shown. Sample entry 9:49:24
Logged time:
4:15:52
